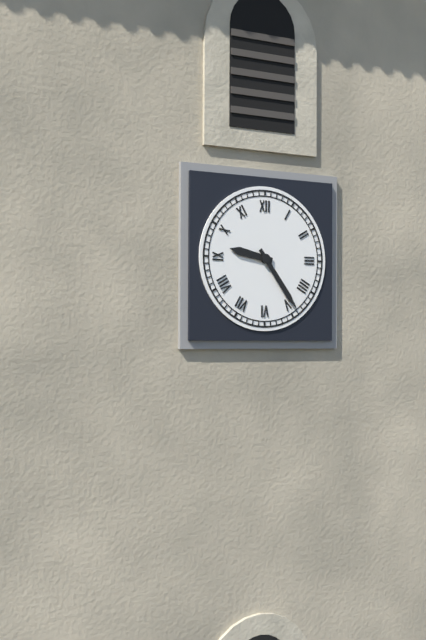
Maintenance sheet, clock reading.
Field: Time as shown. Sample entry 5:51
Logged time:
9:24
